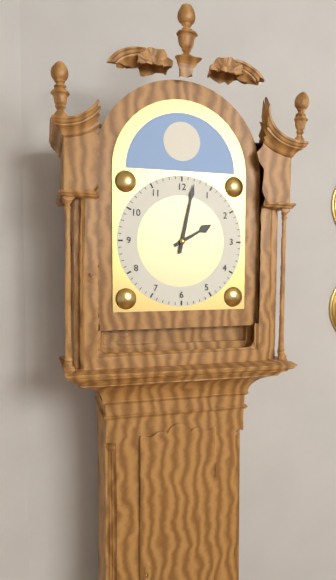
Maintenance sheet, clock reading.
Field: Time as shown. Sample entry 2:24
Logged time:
2:02
